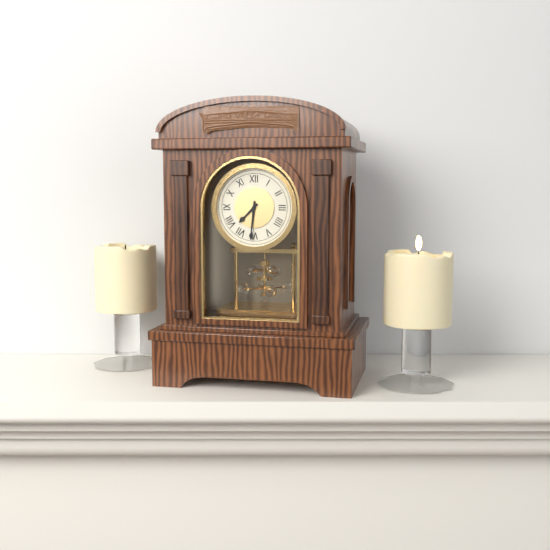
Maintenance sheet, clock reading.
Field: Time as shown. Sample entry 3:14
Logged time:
7:31
